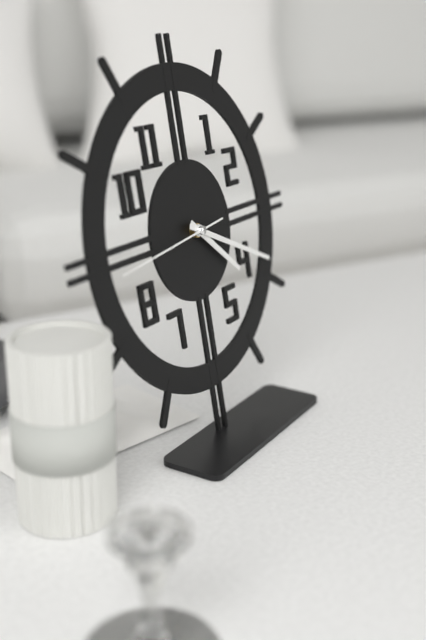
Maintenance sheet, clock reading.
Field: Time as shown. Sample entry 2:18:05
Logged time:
4:19:44
